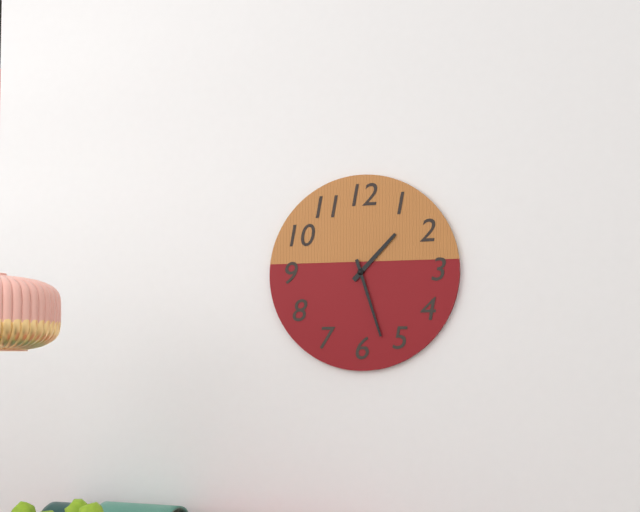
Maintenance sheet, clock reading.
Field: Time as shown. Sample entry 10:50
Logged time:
1:27
